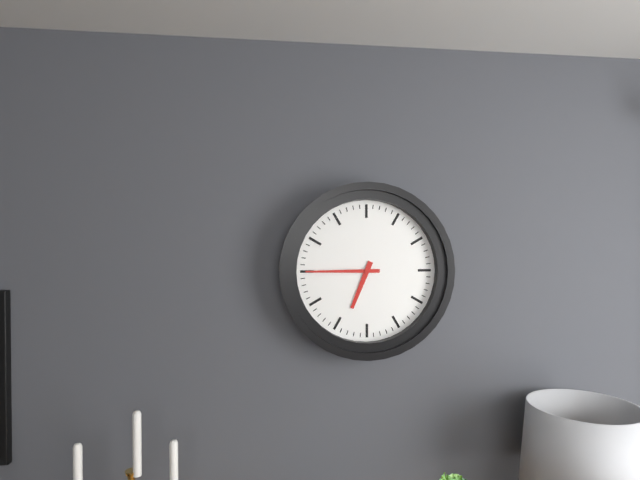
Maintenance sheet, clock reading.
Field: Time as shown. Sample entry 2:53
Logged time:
6:45
